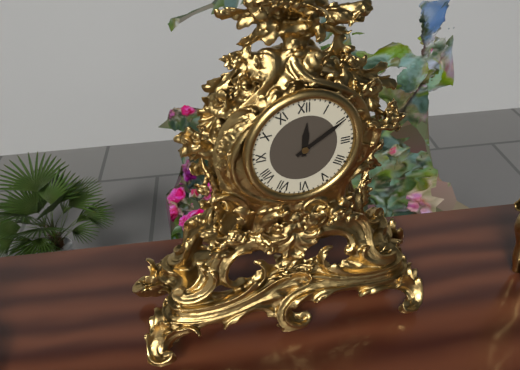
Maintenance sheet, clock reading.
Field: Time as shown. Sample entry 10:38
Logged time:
12:10
